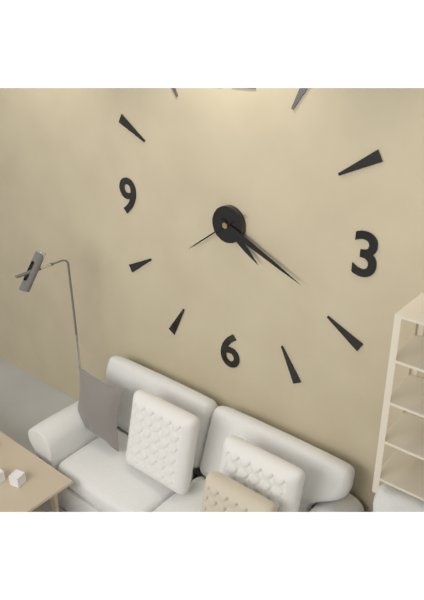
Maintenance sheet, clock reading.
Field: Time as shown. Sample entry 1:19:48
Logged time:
4:19:39
